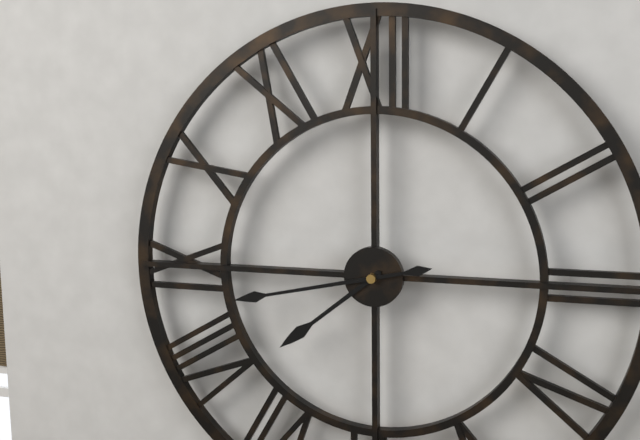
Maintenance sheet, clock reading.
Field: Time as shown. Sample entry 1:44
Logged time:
7:43
